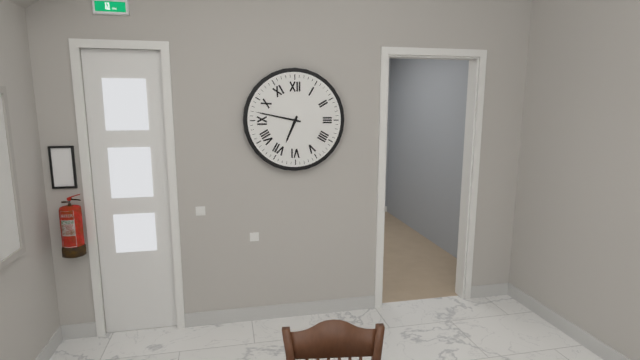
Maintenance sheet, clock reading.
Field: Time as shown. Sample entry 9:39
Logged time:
6:47
